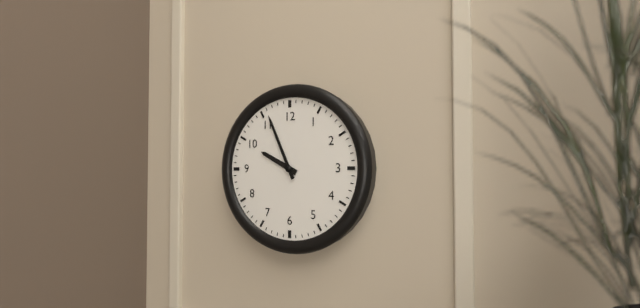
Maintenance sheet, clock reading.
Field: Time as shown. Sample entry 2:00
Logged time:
9:56
